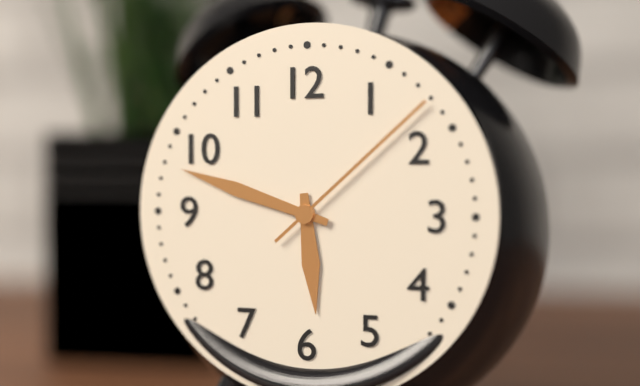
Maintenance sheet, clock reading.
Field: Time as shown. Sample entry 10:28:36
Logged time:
5:48:08
